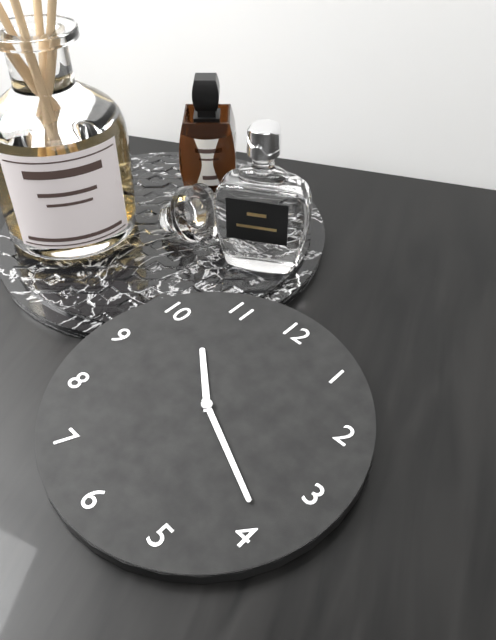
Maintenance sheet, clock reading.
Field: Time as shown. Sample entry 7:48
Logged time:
10:19
